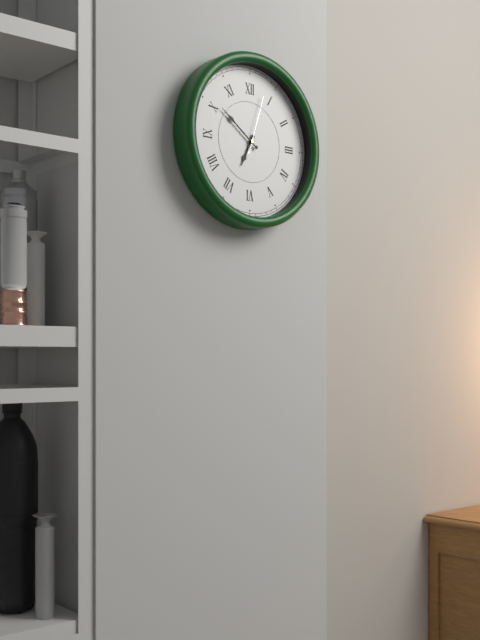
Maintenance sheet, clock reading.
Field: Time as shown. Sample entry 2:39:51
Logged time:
6:51:03
